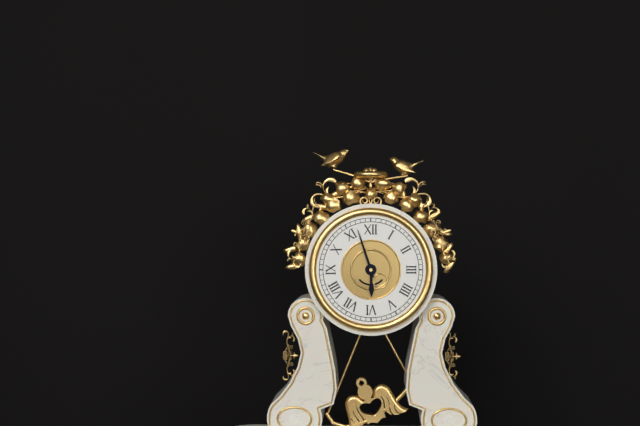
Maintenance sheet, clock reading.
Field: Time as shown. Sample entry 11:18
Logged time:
5:57
